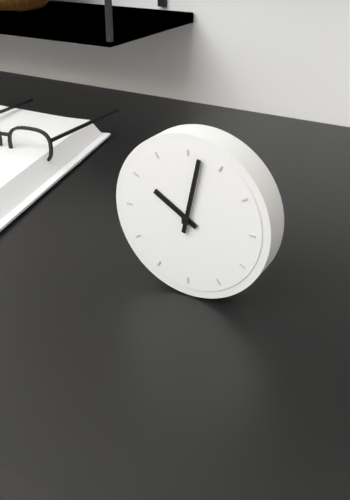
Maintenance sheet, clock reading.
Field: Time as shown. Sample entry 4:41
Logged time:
10:02
